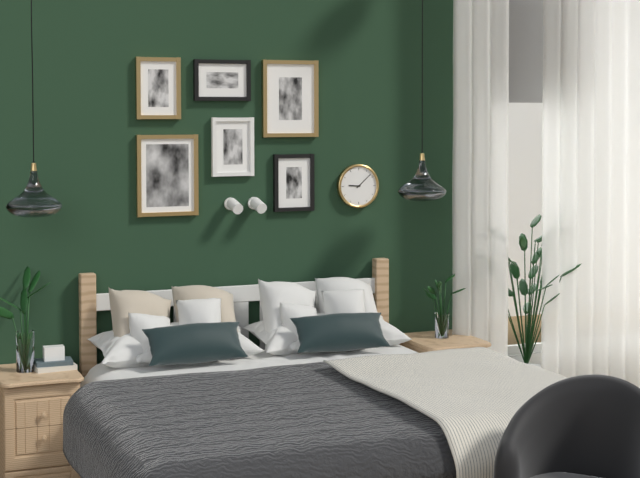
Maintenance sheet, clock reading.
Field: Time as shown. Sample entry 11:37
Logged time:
9:08
